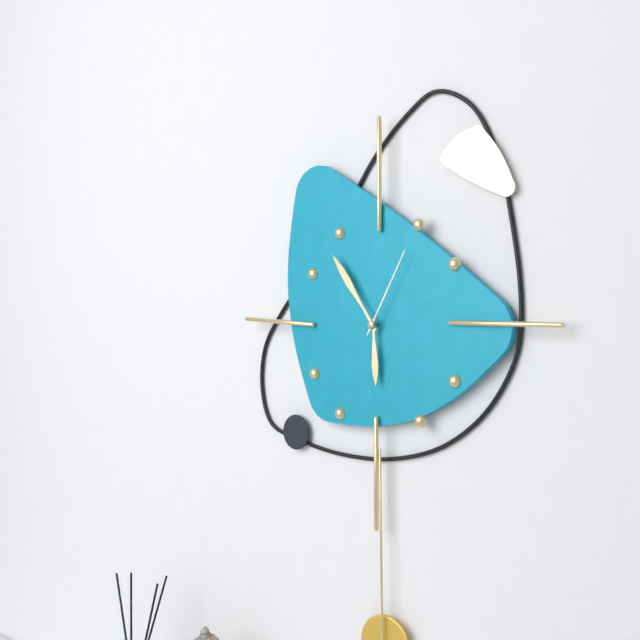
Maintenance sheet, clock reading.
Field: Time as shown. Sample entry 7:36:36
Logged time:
5:54:05
